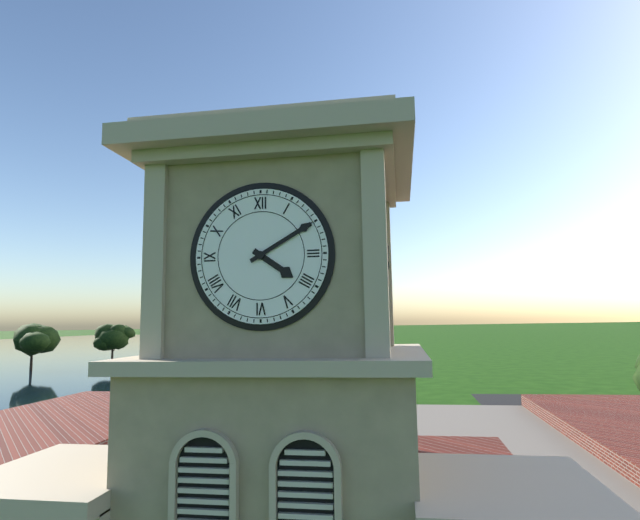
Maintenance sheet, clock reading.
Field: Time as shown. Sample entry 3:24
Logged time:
4:10
